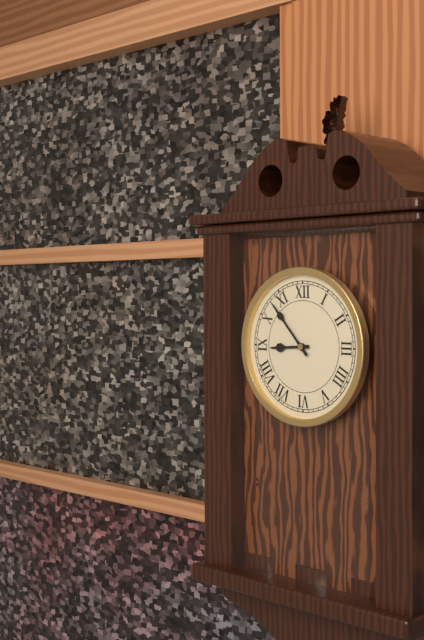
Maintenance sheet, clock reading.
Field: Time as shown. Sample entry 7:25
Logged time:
8:53
